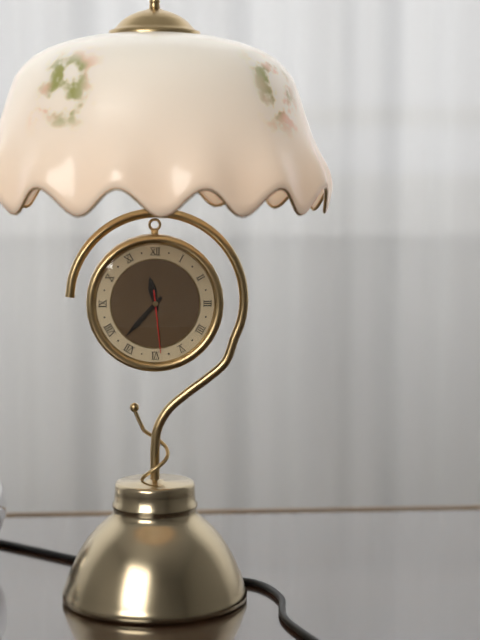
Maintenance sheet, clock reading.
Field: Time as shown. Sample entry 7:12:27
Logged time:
11:37:29
